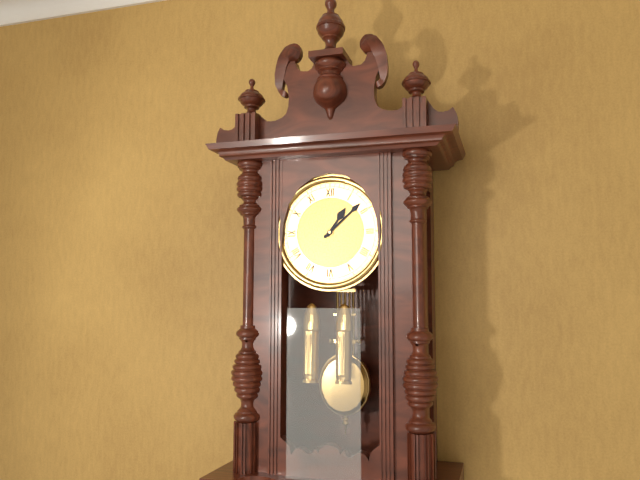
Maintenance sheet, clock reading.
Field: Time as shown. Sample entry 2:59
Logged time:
1:08
